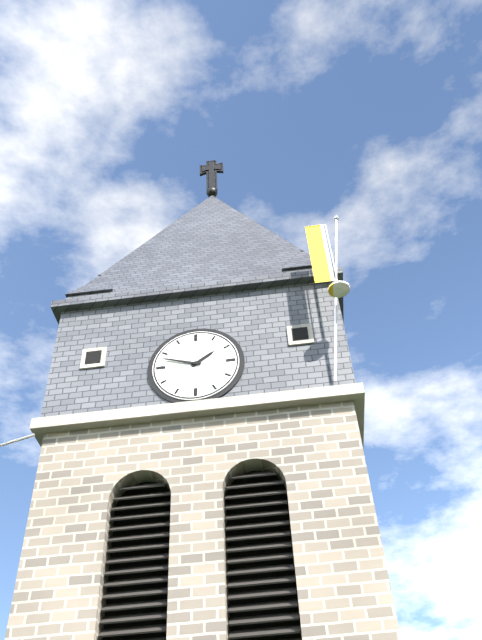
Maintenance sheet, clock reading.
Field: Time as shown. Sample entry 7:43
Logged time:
1:48
